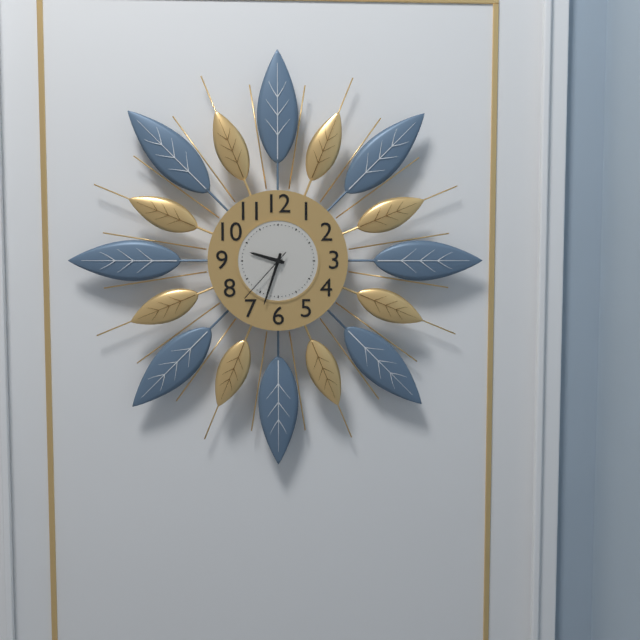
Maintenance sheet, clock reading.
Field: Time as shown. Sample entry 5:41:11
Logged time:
9:33:37
